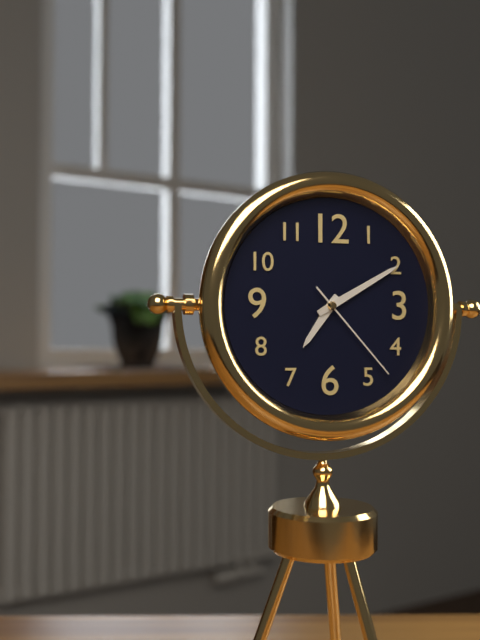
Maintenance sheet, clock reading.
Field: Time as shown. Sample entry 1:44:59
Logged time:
7:10:23
